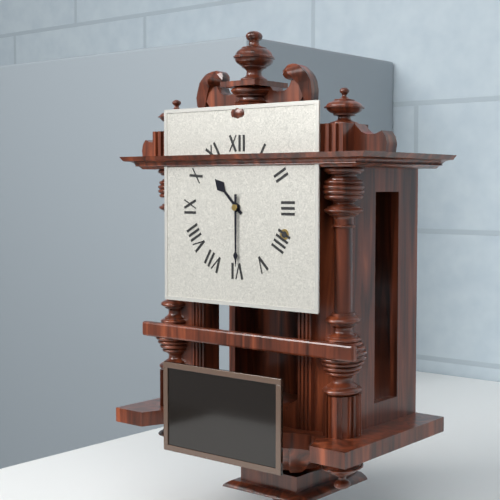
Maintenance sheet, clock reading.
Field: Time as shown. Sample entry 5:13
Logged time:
10:30
